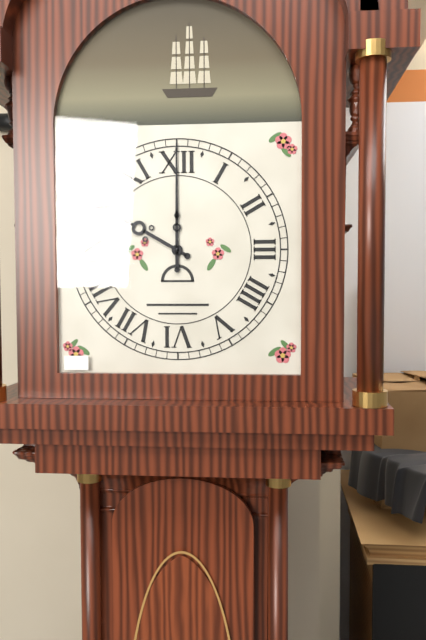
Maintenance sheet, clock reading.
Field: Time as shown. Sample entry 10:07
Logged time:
10:00
